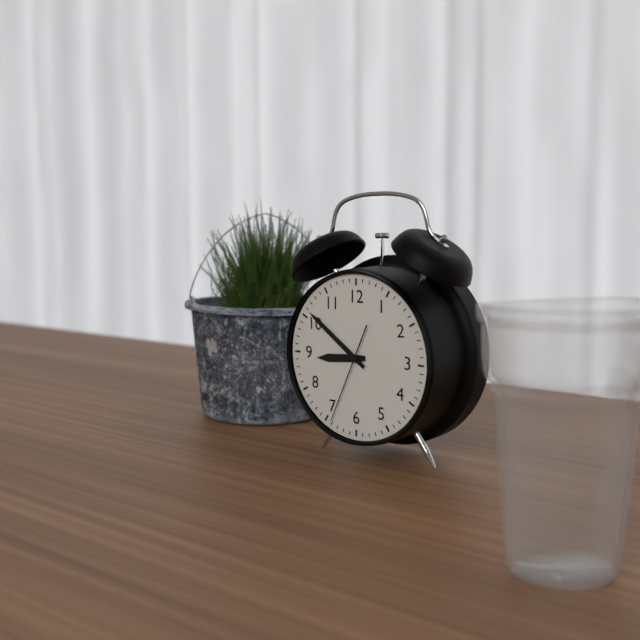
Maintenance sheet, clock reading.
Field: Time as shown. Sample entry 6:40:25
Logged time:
8:51:34
